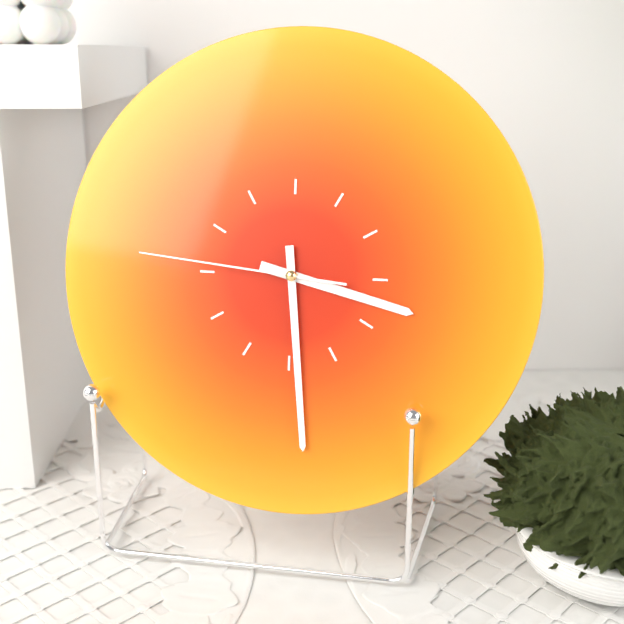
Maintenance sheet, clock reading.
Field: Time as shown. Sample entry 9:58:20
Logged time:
3:29:46
